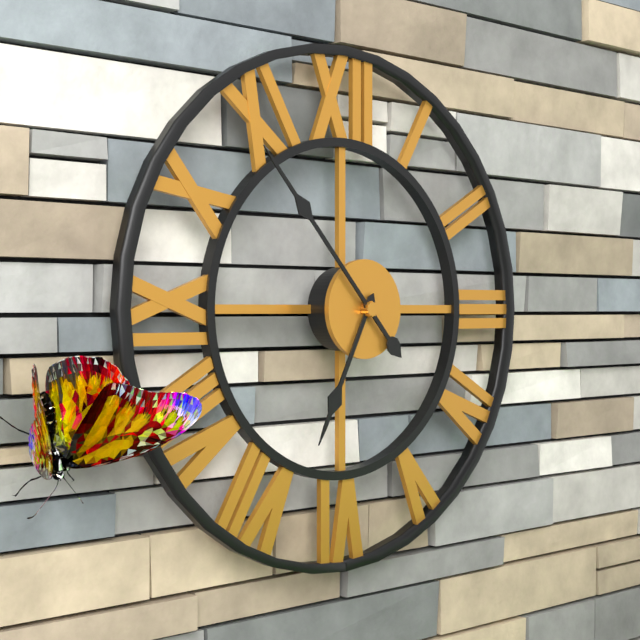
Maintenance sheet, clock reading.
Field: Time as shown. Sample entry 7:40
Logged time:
6:53
